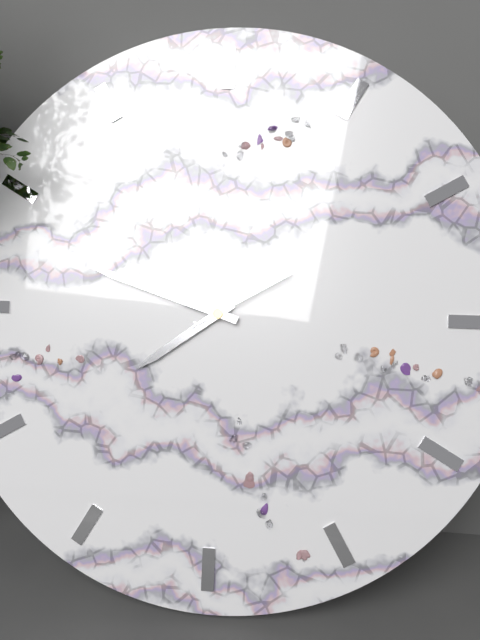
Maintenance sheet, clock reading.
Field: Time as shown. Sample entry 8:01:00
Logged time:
7:48:10
